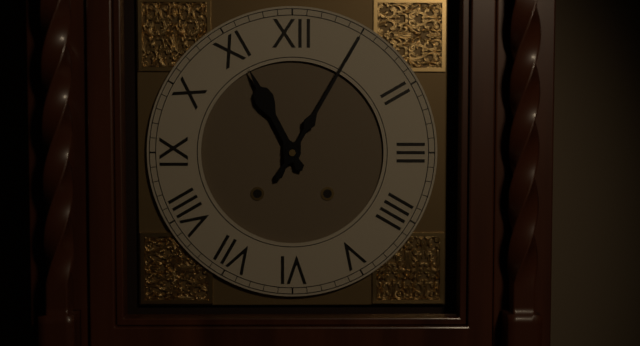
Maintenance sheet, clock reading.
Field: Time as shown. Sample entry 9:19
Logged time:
11:05
